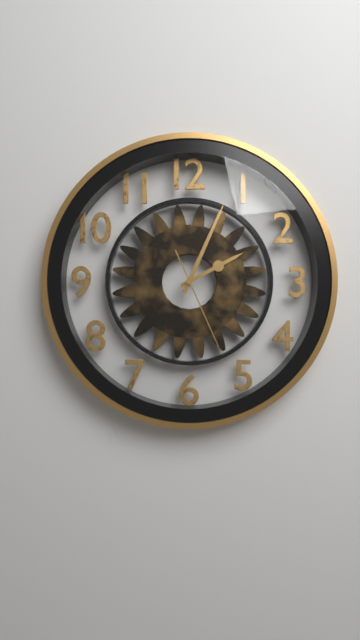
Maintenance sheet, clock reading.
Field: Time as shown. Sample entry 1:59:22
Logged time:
2:04:26
